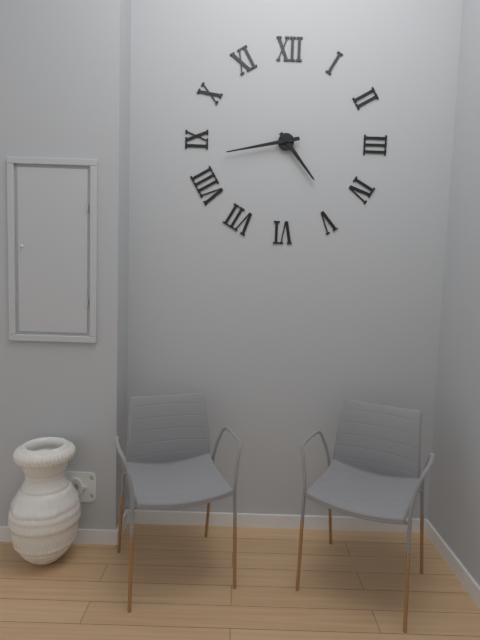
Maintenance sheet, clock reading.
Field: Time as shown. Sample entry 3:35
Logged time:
4:43
